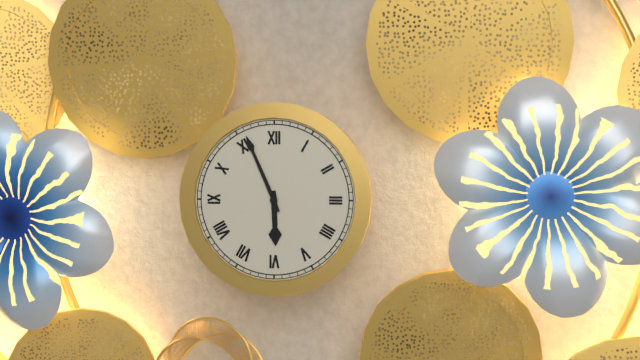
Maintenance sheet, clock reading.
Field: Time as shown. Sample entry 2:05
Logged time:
5:56
